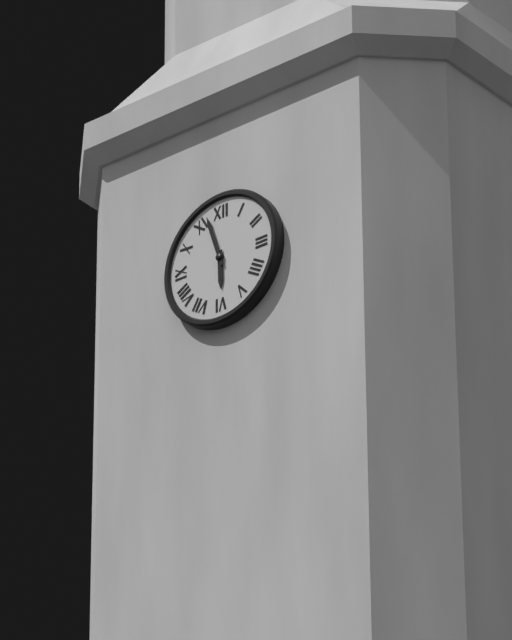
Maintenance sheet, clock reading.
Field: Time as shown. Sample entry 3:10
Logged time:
5:57
